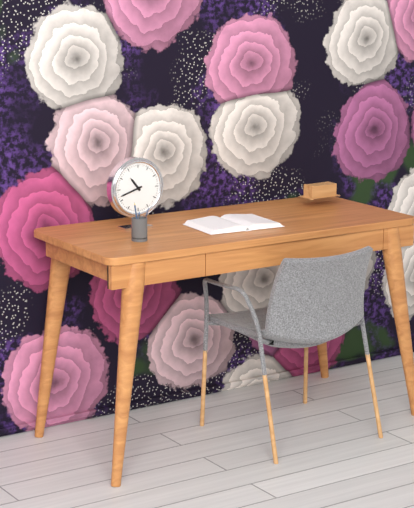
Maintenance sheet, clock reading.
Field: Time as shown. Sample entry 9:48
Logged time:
10:42
